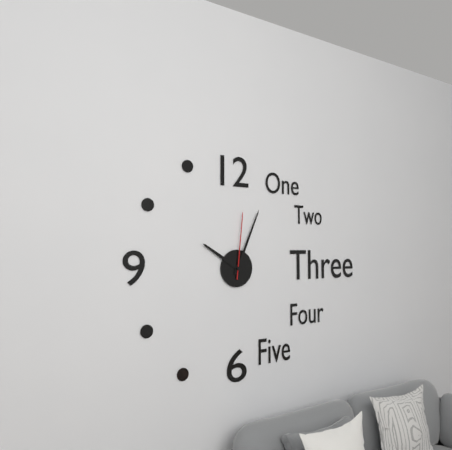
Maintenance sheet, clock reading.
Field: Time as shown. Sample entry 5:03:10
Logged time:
10:04:01
